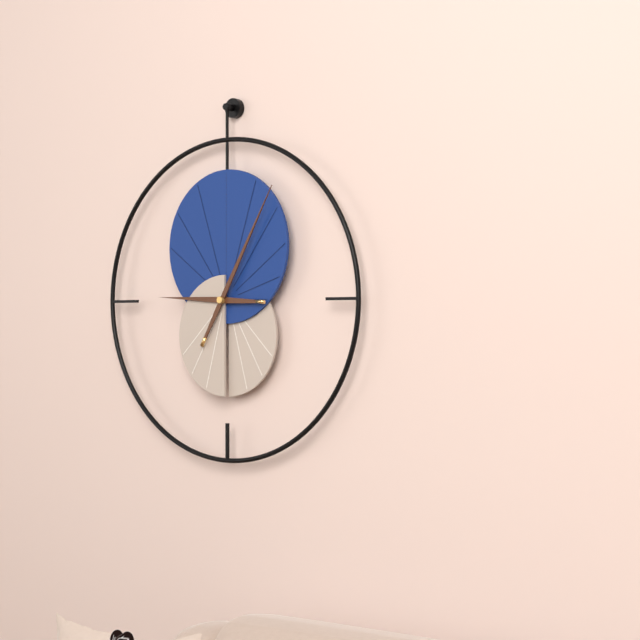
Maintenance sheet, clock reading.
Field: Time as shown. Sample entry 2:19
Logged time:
9:05
